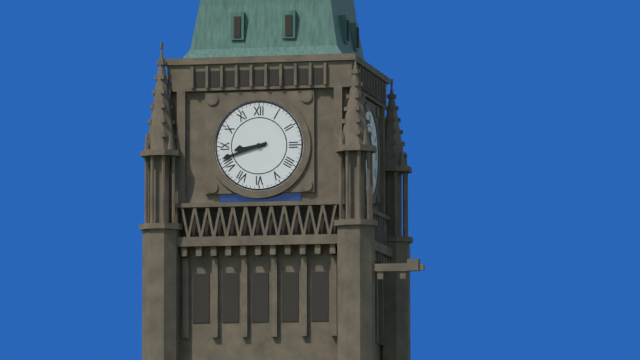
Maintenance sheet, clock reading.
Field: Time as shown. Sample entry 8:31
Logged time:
8:42
